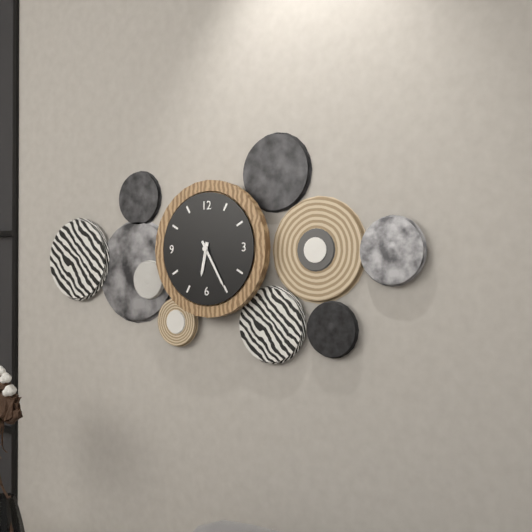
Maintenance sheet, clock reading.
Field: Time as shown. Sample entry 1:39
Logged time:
6:25
